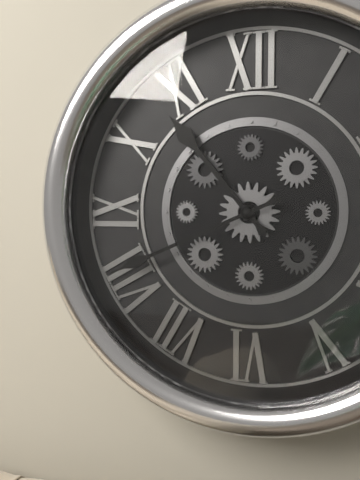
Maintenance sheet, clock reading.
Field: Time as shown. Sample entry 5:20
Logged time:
10:41
